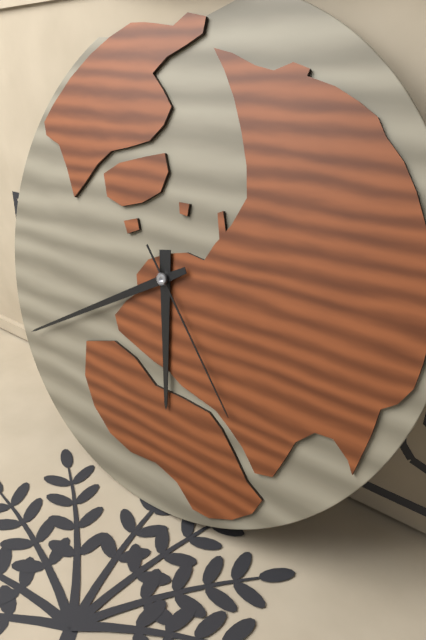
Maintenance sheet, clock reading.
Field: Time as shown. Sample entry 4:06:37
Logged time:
5:40:23
